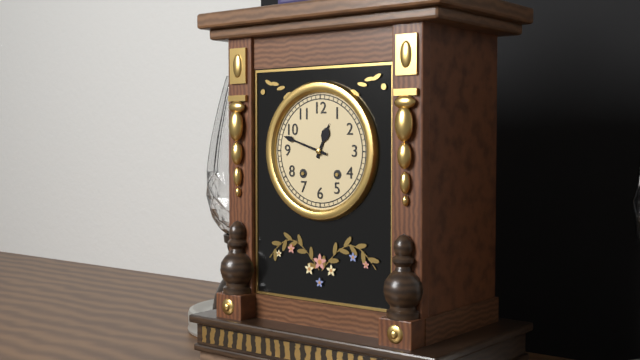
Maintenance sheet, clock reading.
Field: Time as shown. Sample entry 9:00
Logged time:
12:48
